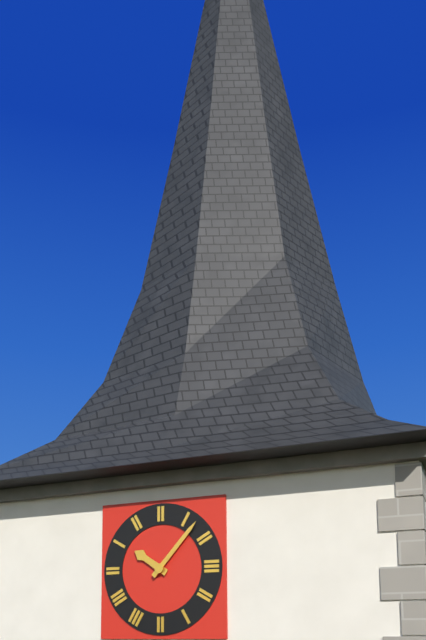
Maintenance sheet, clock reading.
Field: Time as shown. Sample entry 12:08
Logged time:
10:07
